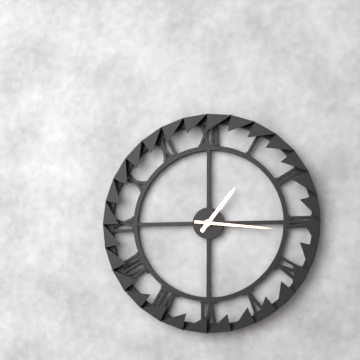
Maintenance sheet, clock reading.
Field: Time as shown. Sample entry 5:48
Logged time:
1:16
